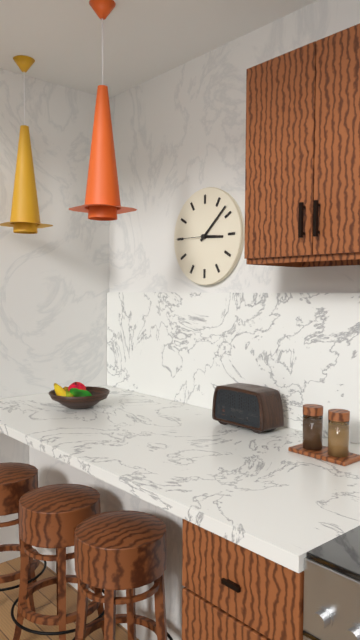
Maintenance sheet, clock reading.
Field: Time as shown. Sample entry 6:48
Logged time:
3:08
